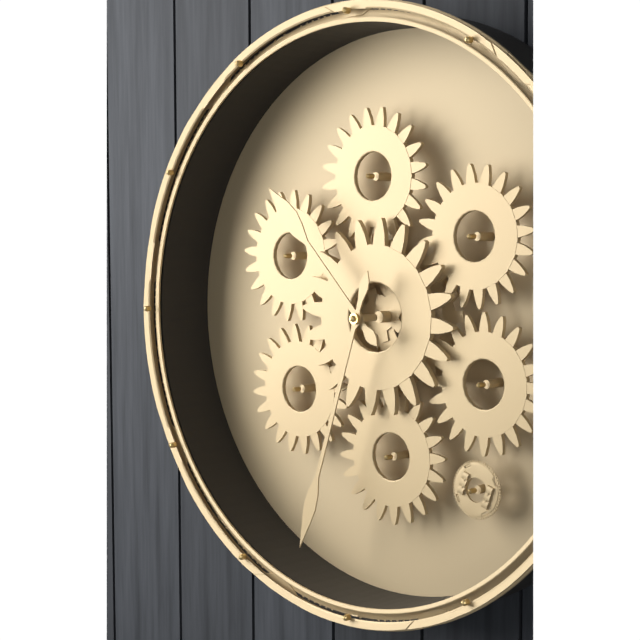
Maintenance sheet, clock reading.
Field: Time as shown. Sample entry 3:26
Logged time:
10:33
